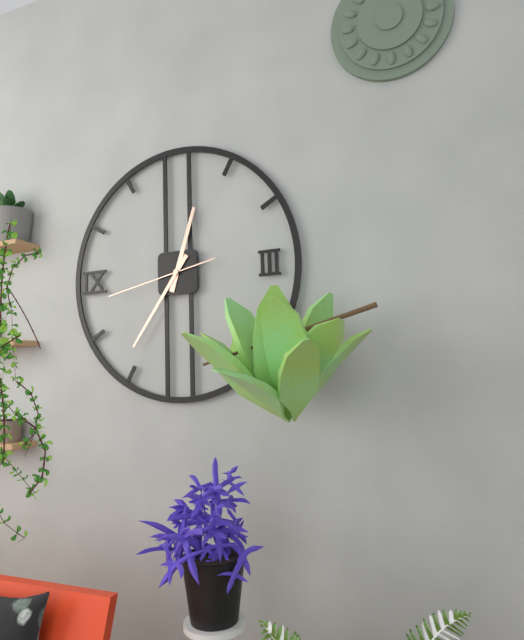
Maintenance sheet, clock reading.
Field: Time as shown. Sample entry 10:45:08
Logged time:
12:36:43
